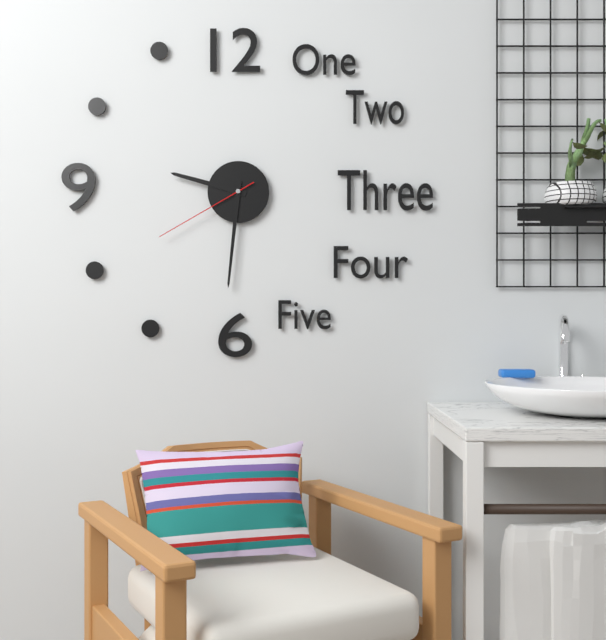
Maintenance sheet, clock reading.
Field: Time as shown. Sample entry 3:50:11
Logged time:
9:31:40
